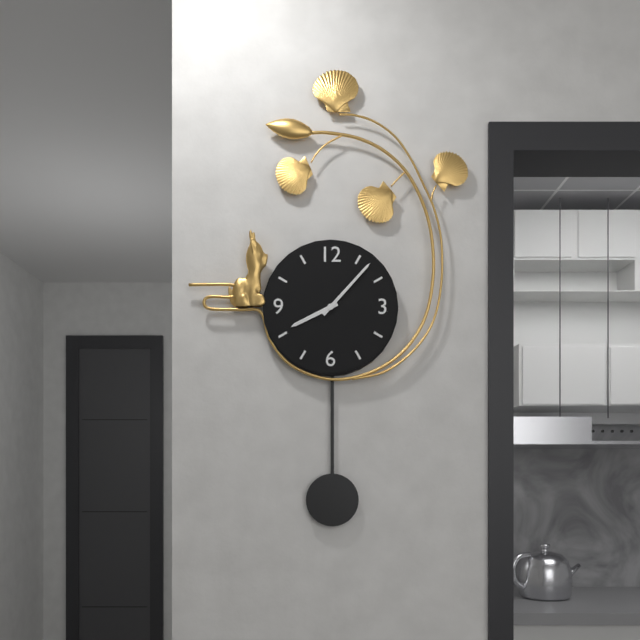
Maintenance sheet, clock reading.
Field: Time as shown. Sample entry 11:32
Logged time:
8:07
